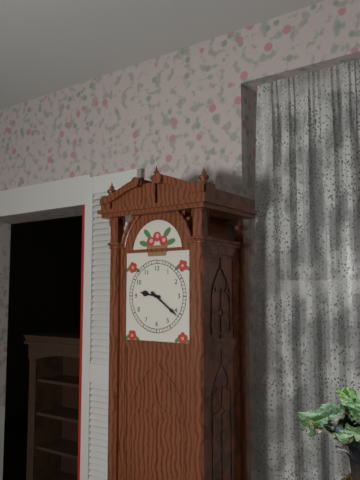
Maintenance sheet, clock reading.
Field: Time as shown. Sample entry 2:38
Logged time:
9:21
